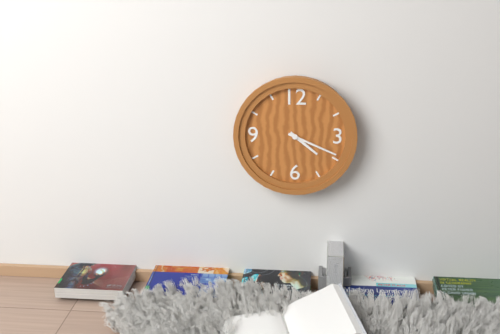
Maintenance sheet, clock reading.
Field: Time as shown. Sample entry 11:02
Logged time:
4:19
